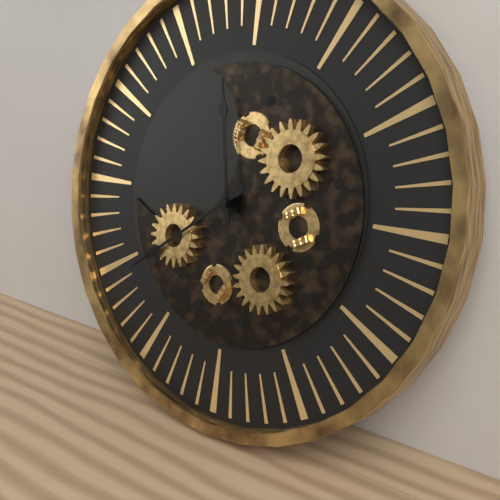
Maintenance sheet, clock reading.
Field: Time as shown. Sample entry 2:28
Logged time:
11:39
